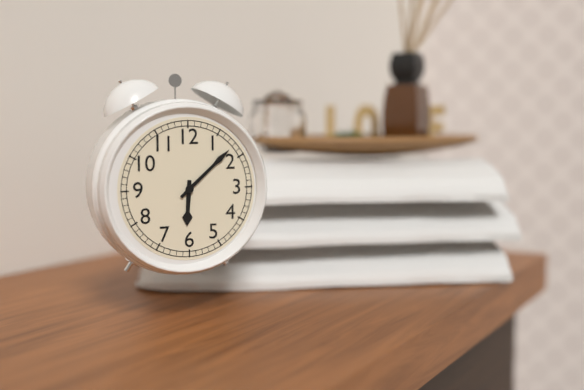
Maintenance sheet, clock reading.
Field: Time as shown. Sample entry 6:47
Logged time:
6:08
